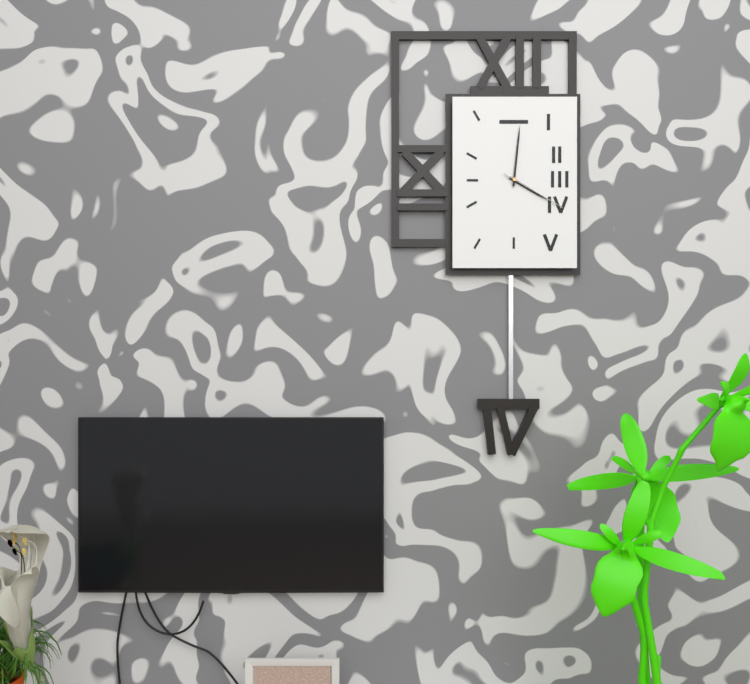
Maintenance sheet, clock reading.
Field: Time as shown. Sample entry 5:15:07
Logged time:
4:01:20
